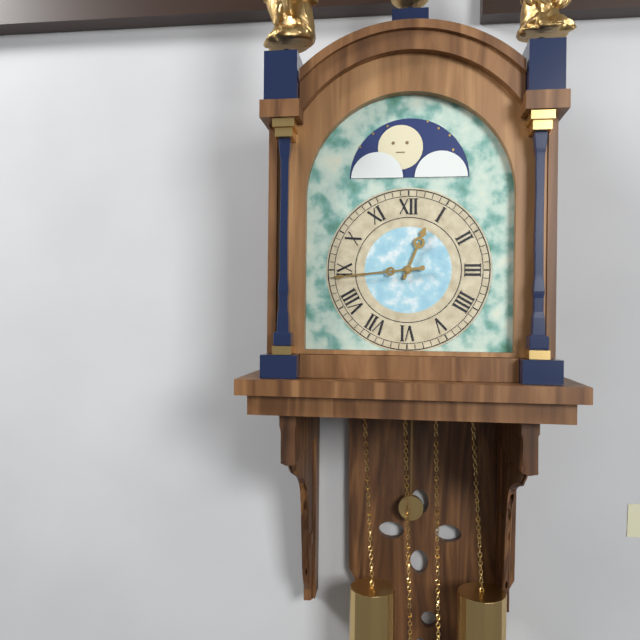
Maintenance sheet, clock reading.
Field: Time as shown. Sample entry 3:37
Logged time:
12:44
